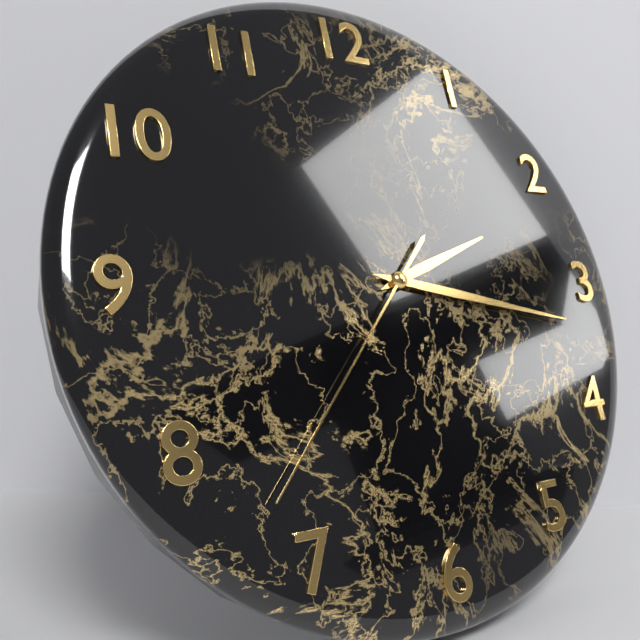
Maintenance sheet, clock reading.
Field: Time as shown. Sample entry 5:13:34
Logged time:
2:17:37
